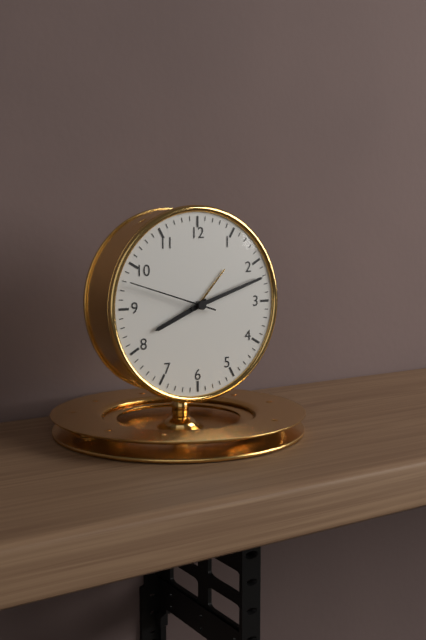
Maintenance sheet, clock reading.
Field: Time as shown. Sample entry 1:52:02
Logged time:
8:12:48
